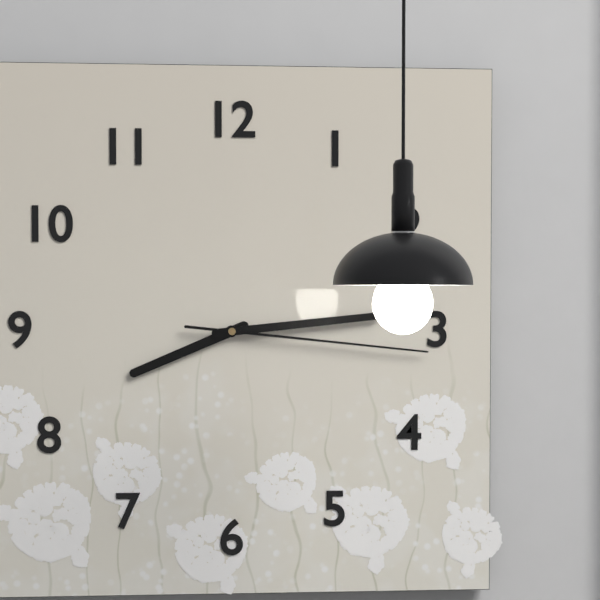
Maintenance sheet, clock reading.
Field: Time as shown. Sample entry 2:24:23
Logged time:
8:14:16
